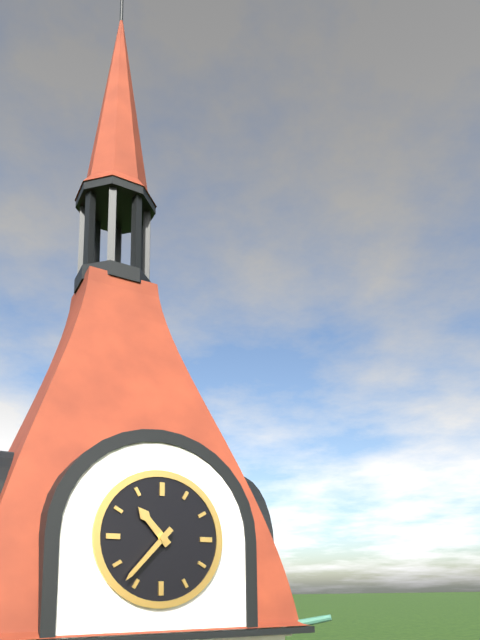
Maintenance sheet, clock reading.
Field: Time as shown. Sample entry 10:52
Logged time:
10:37
